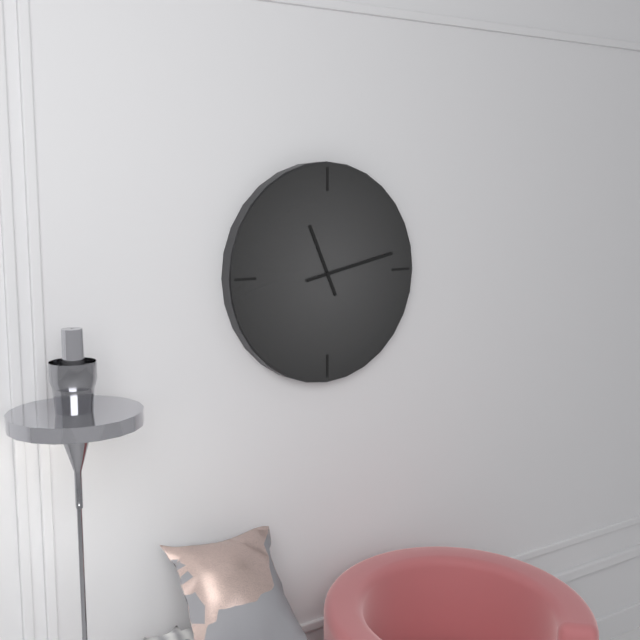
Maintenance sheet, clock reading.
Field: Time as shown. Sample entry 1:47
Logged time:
11:13
